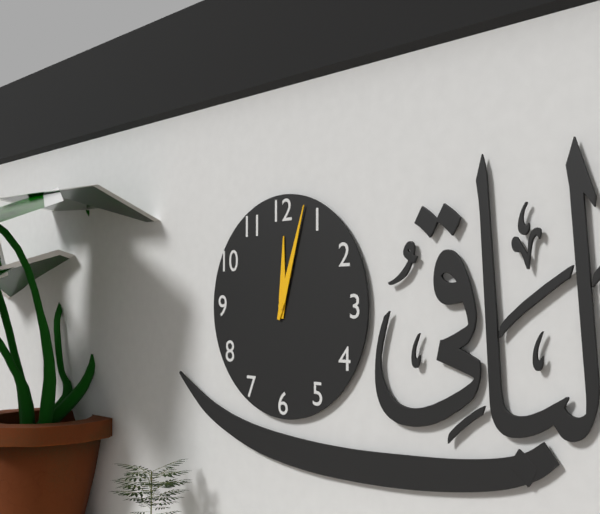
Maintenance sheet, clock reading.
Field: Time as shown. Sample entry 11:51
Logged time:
12:03
